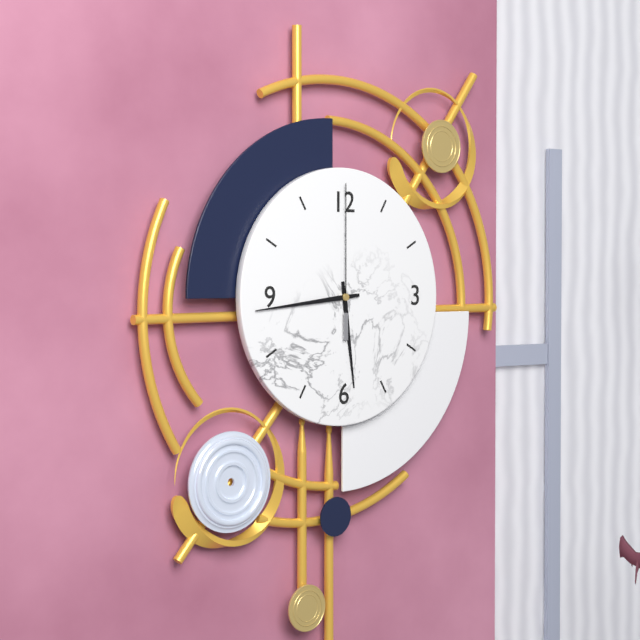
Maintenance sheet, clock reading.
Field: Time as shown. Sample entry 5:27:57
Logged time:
5:44:00
